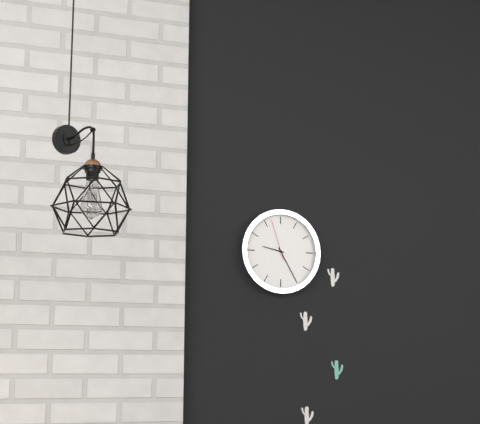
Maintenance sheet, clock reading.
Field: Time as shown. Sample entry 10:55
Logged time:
9:25
